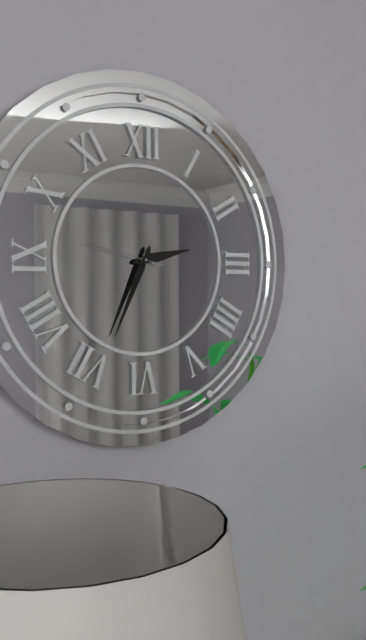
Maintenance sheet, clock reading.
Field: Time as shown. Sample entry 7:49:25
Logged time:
2:34:47
